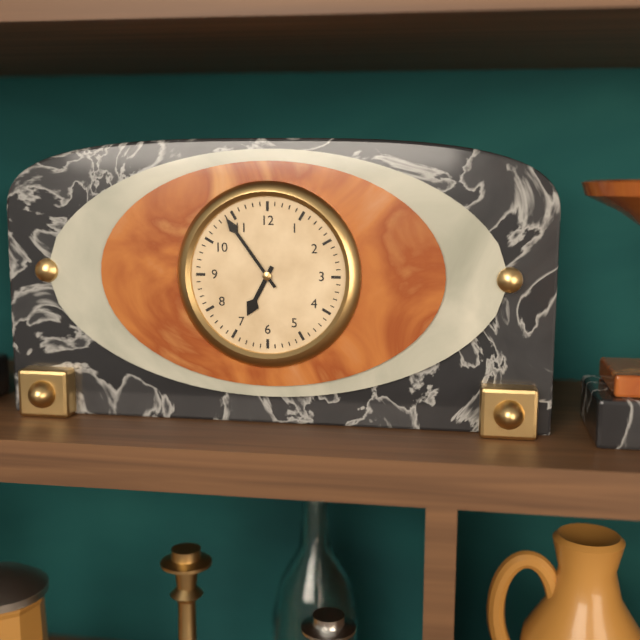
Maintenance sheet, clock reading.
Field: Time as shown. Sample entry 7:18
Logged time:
6:54
